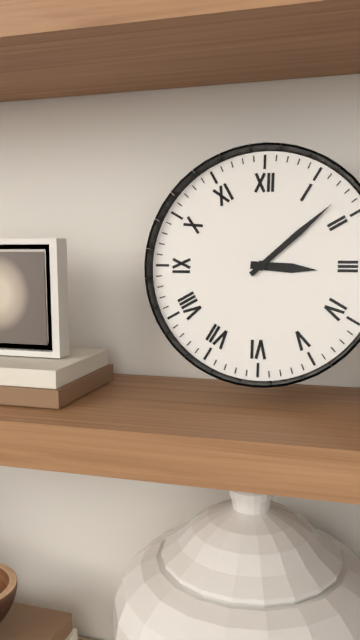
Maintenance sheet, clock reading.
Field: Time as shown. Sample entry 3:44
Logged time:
3:08
